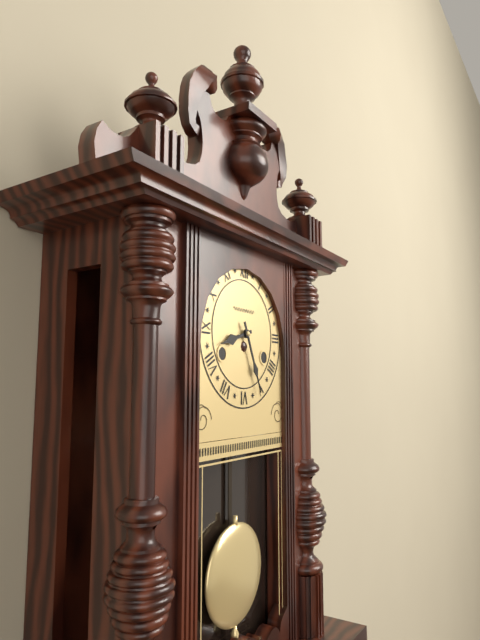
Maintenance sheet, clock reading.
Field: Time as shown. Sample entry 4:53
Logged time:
8:26
